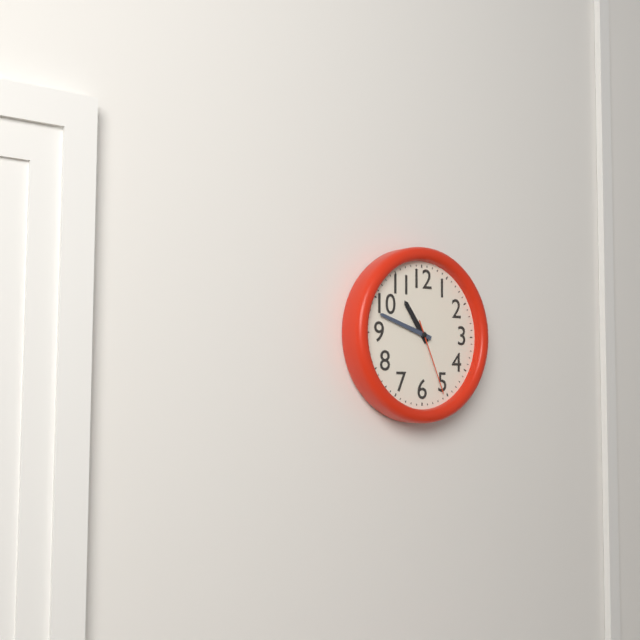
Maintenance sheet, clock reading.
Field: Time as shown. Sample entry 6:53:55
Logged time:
10:48:26
